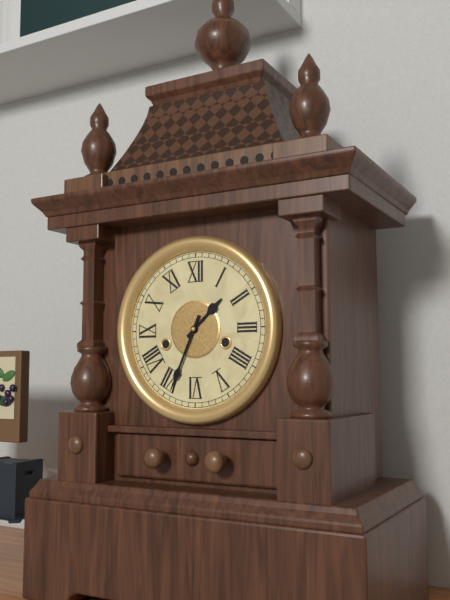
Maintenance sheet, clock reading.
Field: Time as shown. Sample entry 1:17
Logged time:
1:34
